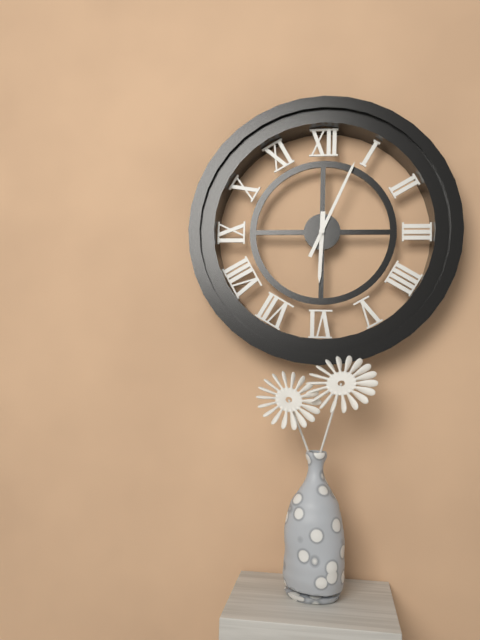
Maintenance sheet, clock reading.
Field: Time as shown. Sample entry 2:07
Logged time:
6:04
